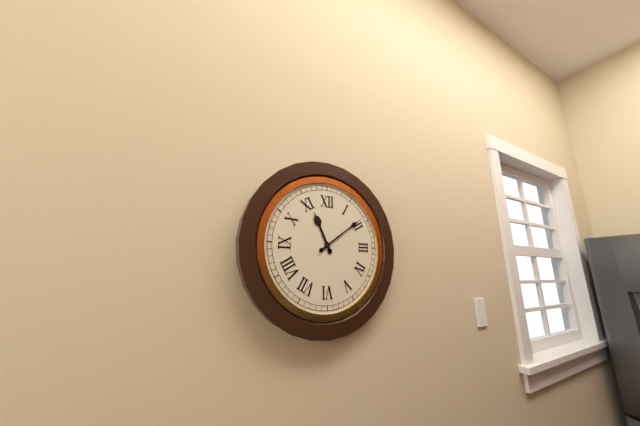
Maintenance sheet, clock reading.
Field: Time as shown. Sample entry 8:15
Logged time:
11:09
